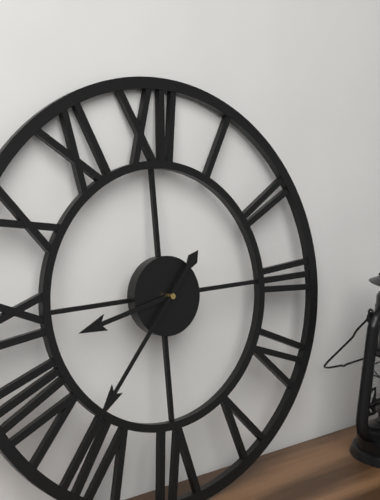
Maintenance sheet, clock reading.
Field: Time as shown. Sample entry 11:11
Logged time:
8:37
